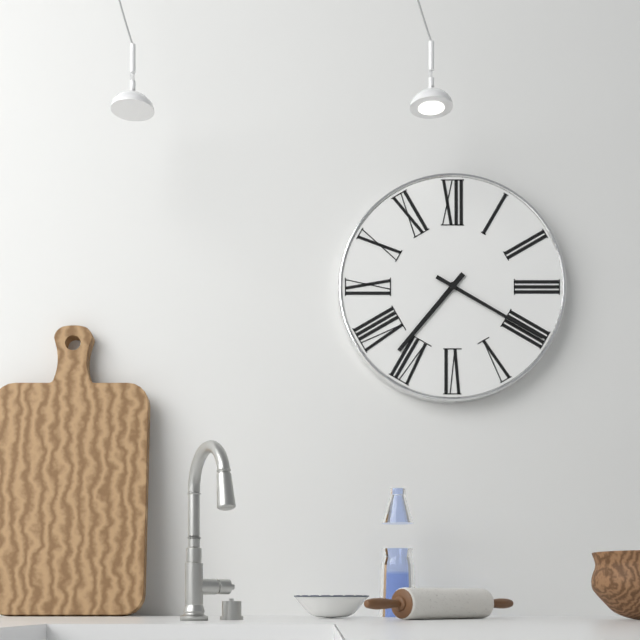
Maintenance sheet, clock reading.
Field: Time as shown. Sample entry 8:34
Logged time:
7:20
